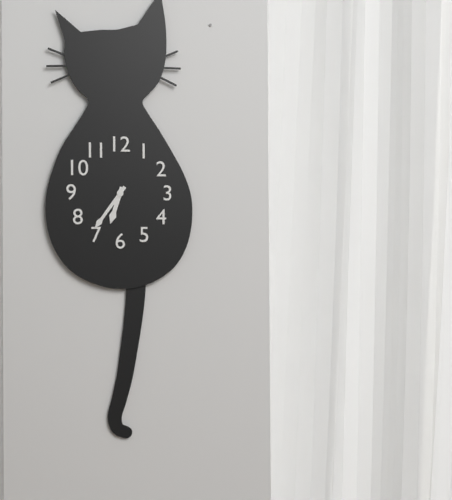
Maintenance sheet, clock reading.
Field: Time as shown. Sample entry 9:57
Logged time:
6:36
